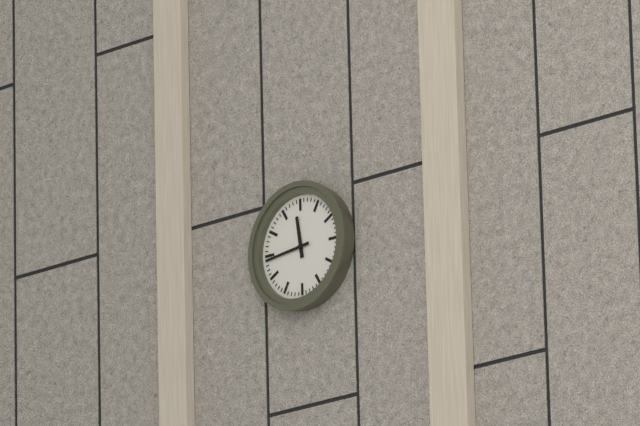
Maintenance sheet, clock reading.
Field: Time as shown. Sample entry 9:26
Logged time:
11:44
